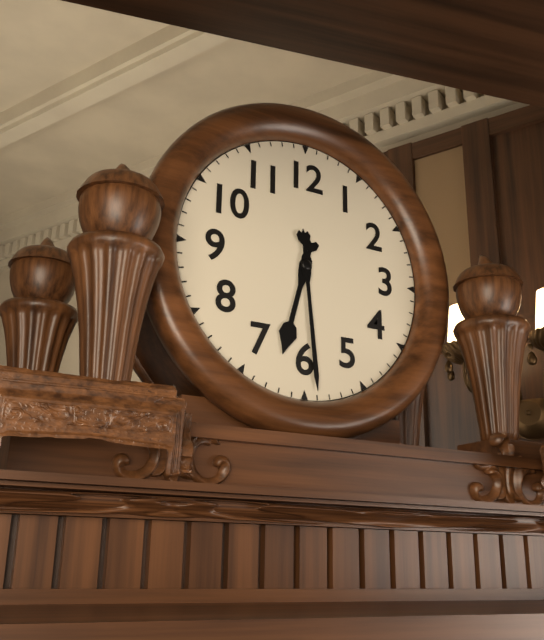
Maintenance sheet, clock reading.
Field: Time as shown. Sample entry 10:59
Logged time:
6:29
